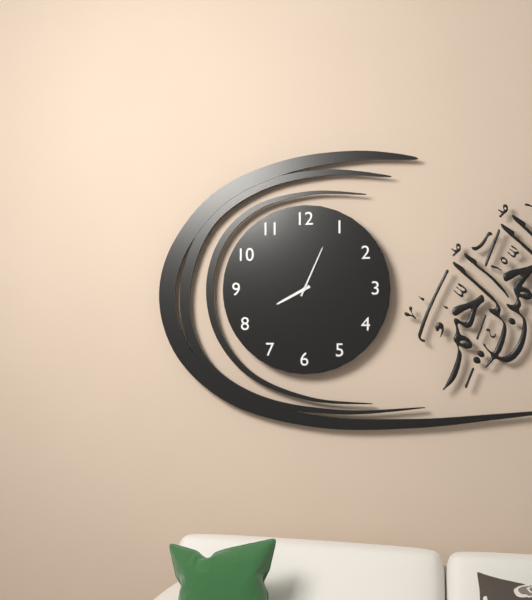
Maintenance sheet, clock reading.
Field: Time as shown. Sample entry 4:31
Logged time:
8:04
